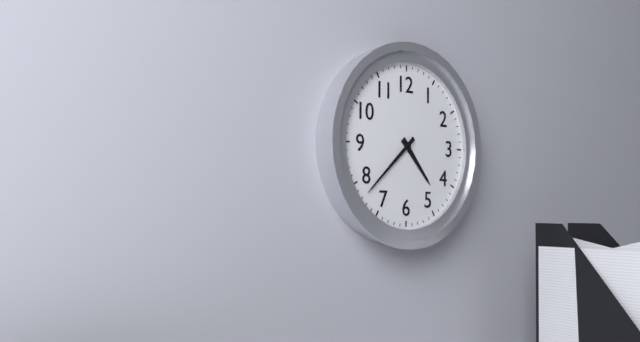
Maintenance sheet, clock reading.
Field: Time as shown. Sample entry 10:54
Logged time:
4:38
